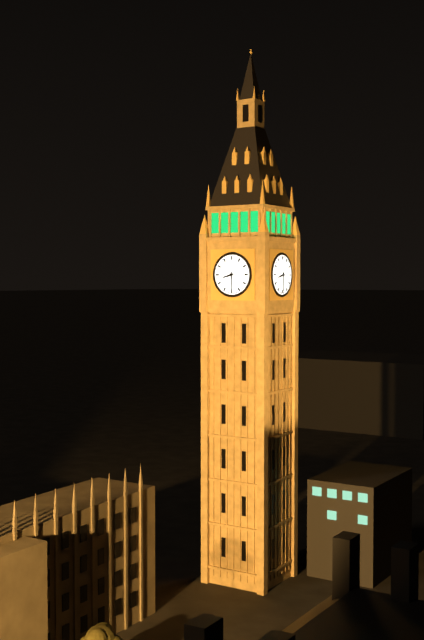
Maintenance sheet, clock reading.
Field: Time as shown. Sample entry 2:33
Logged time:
8:30
